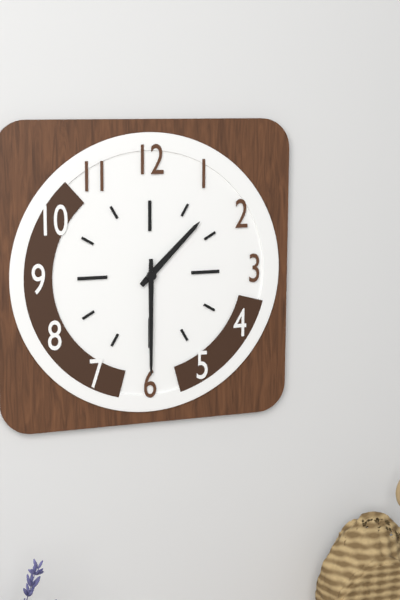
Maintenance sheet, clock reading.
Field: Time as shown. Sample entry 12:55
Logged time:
1:30
